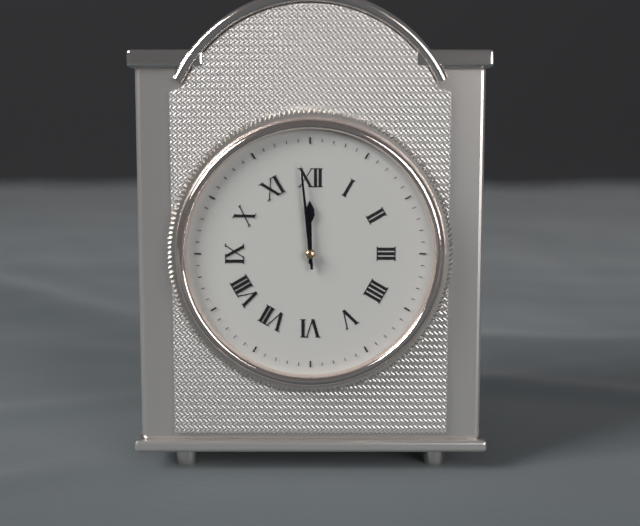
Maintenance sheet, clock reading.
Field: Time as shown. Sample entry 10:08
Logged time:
11:59
